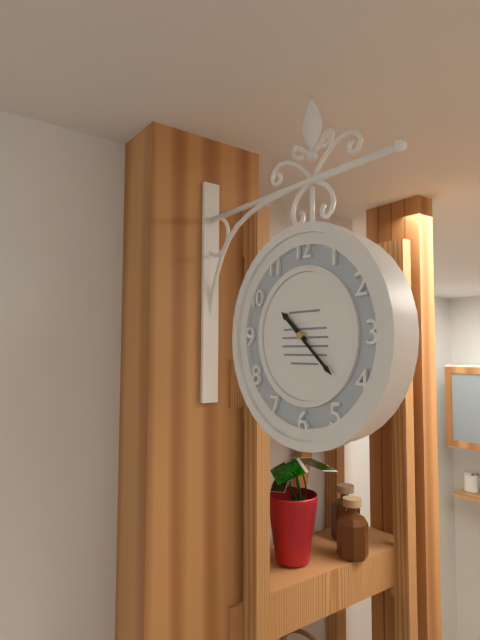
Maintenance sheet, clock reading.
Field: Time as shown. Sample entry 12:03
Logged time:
10:22
